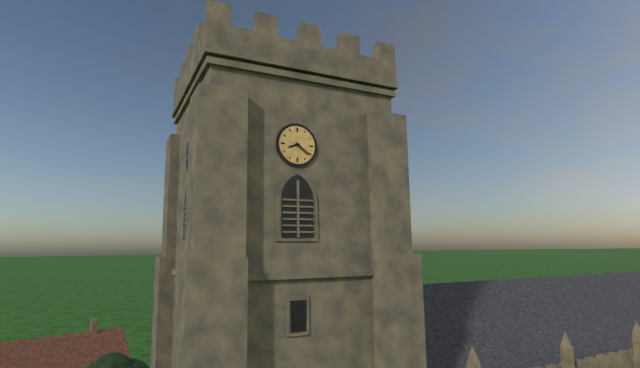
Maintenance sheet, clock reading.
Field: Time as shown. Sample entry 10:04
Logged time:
8:21
